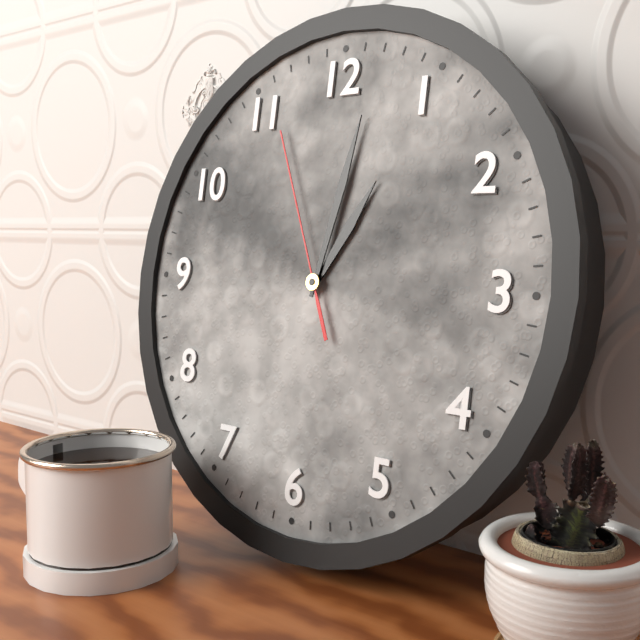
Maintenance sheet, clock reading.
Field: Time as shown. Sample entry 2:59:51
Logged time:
1:02:56
